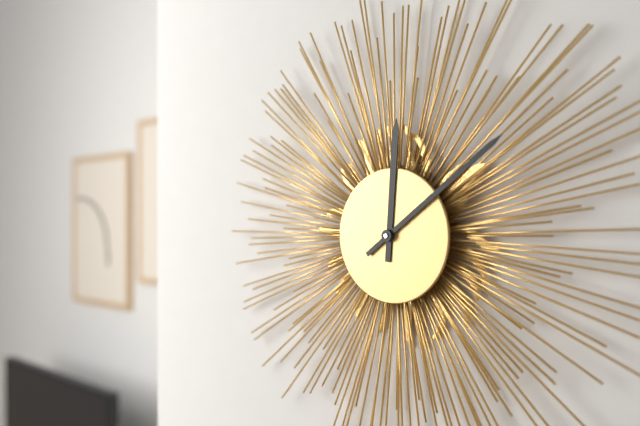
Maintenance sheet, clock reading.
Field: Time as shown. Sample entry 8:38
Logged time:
12:09
